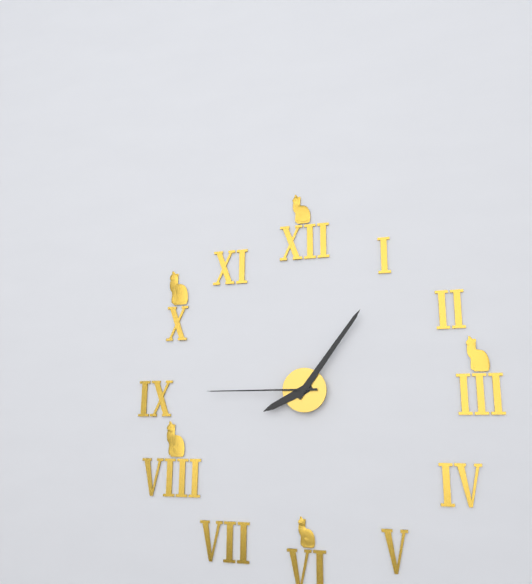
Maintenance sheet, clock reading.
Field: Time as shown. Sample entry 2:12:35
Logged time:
8:06:45
